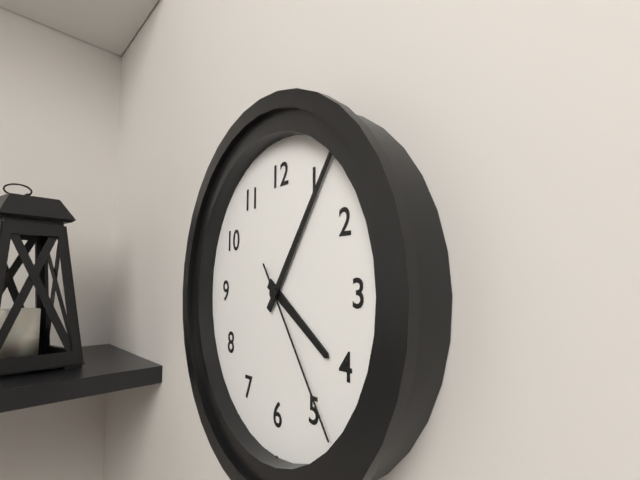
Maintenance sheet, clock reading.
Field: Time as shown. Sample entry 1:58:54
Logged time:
4:06:24
